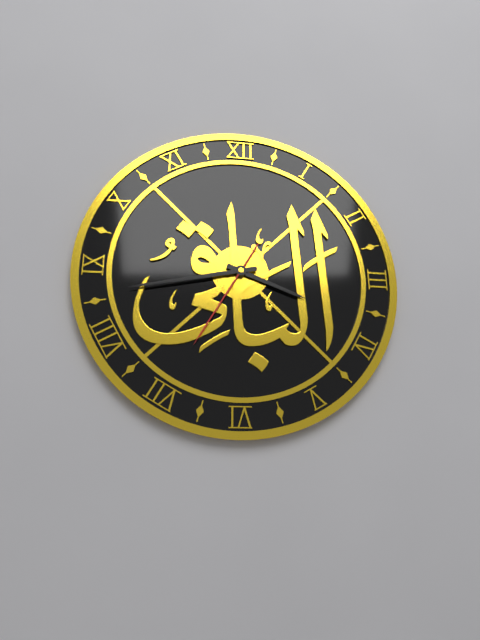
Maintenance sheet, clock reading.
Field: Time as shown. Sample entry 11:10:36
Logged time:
3:43:35
